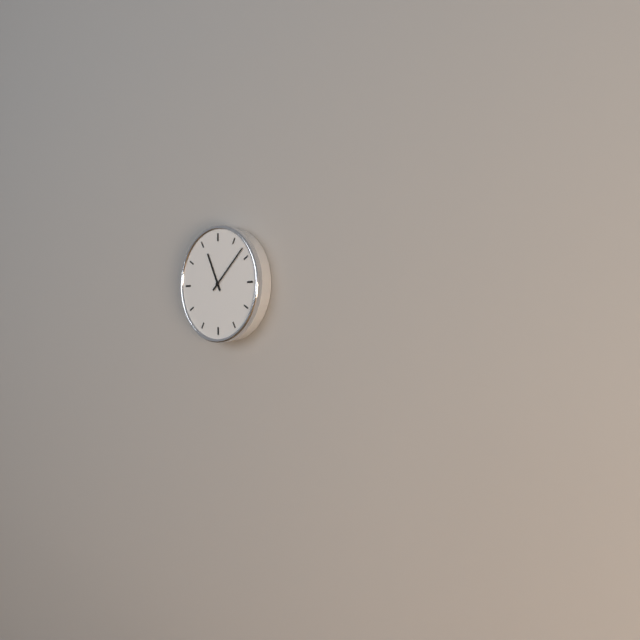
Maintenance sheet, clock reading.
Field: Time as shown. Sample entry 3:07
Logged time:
11:08
